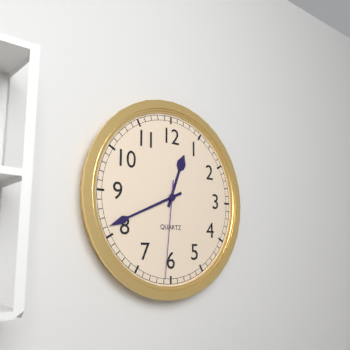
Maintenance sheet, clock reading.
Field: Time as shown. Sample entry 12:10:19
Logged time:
12:41:31
